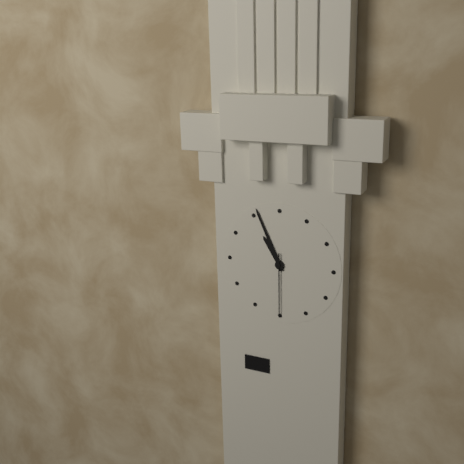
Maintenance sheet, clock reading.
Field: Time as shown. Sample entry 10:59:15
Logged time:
10:56:30
